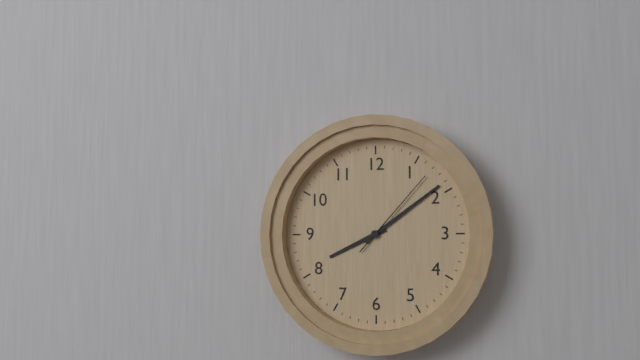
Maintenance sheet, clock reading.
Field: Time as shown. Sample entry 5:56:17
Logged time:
8:09:07
